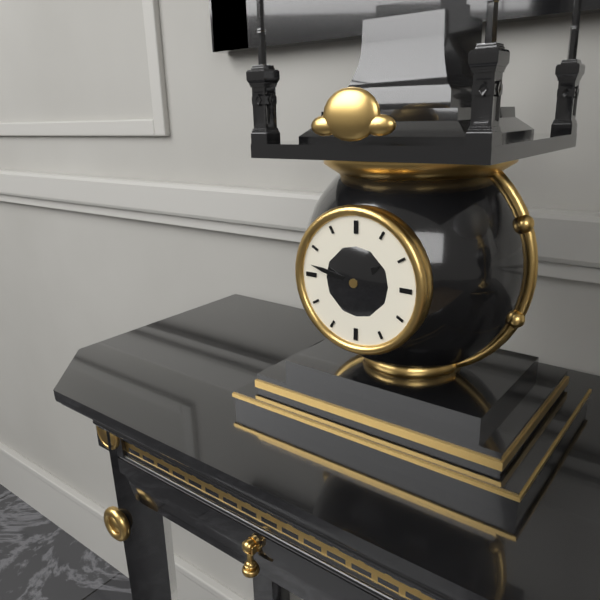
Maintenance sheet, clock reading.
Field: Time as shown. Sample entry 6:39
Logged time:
1:47
